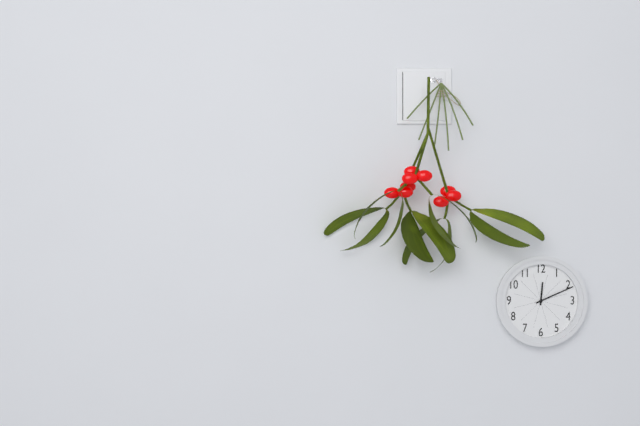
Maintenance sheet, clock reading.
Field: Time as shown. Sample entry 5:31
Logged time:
12:11
